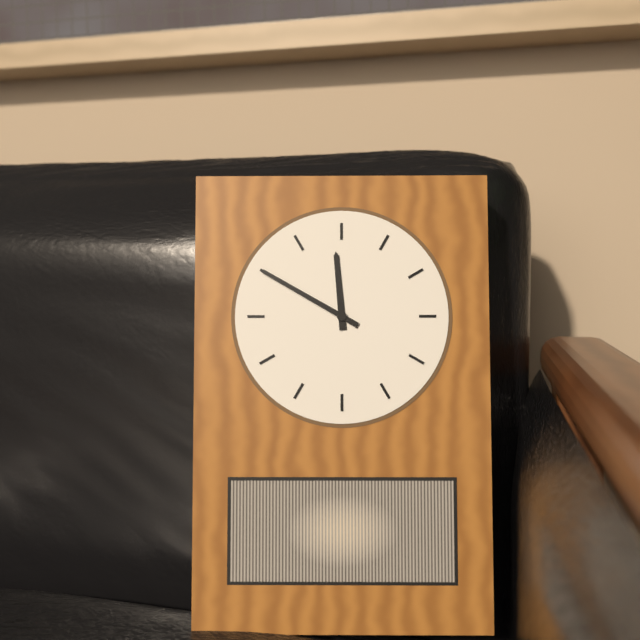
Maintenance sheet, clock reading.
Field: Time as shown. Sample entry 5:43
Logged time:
11:50
